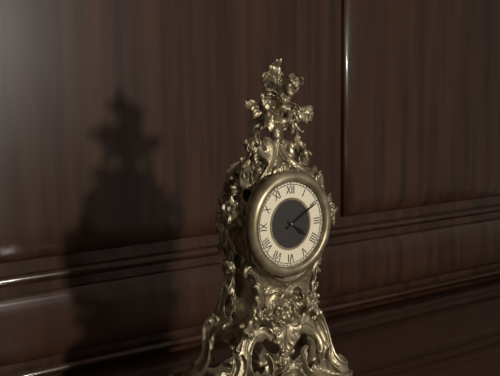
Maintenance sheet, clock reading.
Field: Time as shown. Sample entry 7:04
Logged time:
4:10
